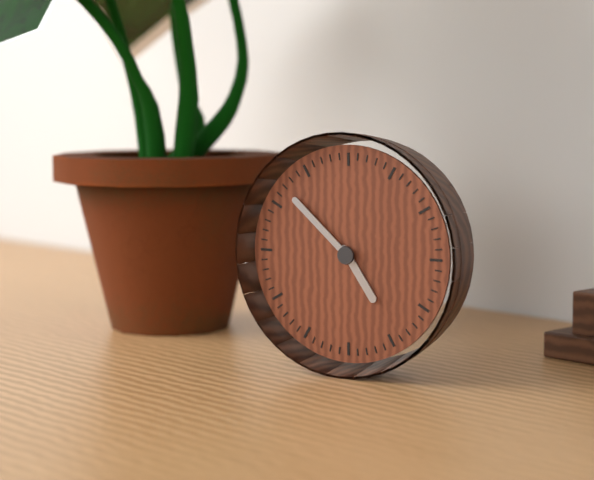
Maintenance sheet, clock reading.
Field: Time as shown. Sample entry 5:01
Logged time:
4:52
